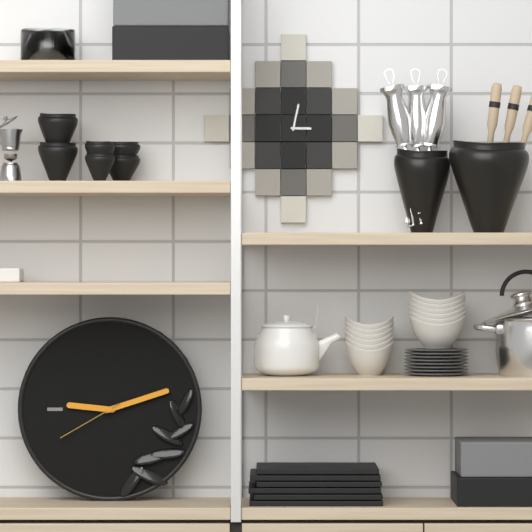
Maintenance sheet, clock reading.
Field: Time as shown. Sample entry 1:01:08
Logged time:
9:12:40
